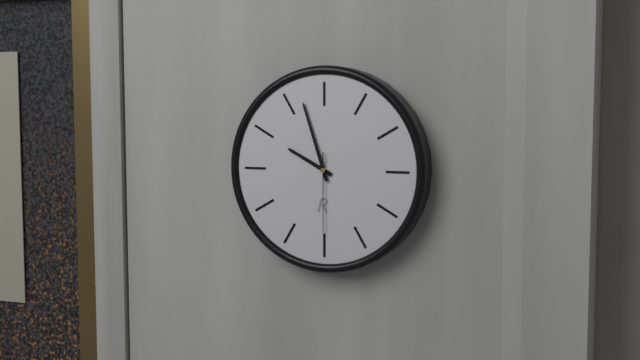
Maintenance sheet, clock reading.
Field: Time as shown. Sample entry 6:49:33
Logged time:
9:57:30
